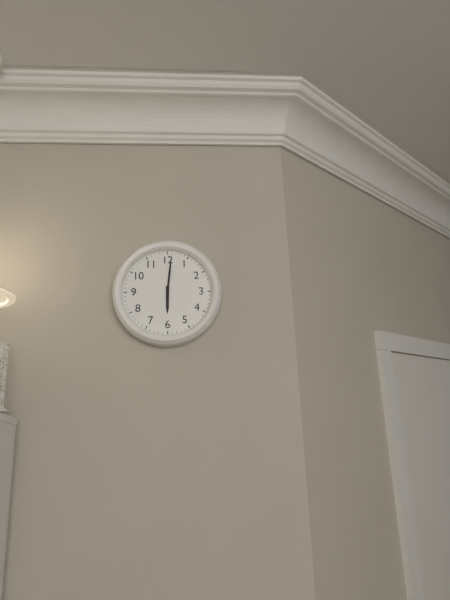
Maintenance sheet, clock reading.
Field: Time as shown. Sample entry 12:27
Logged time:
6:01
